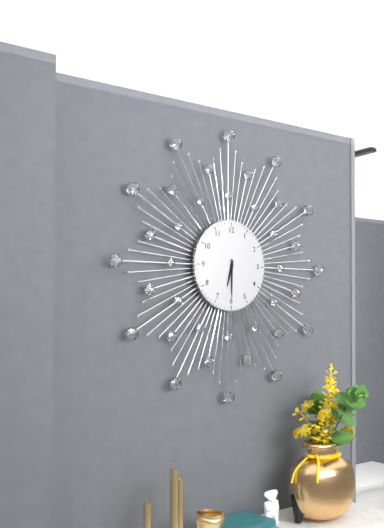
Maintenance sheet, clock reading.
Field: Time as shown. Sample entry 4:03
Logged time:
6:30
